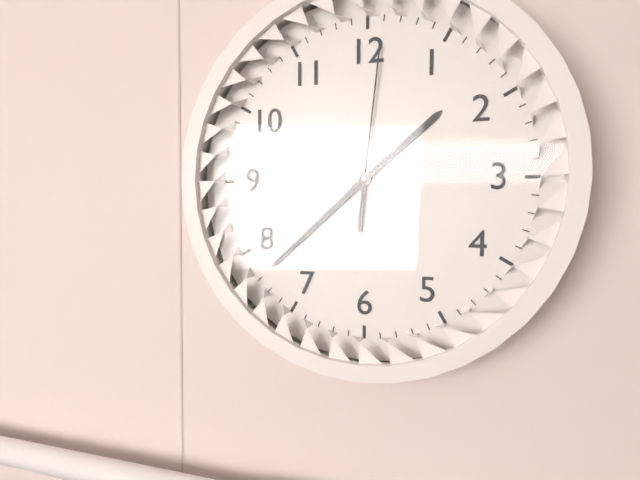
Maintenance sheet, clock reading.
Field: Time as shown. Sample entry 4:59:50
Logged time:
1:38:01
